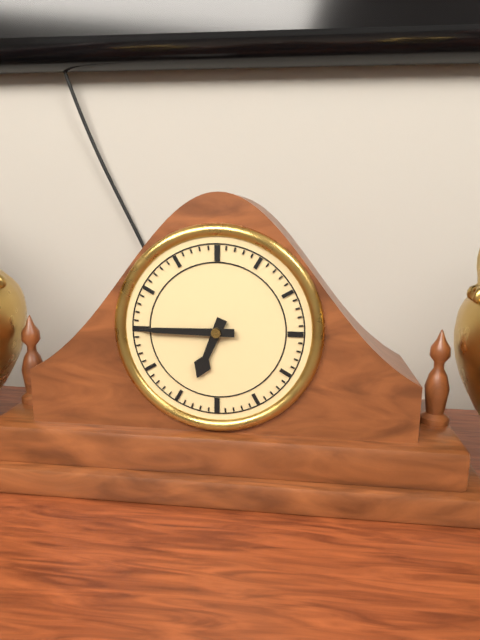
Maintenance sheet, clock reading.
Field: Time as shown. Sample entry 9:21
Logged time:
6:45
